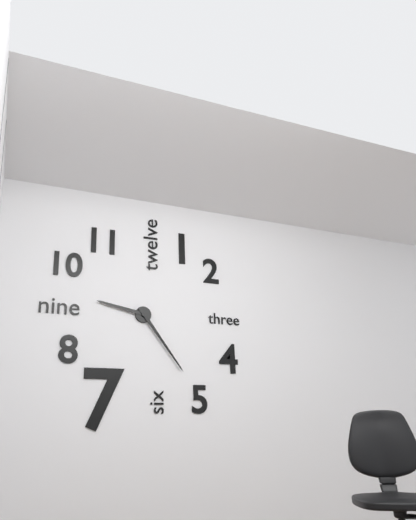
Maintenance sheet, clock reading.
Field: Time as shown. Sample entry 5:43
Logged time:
9:24
